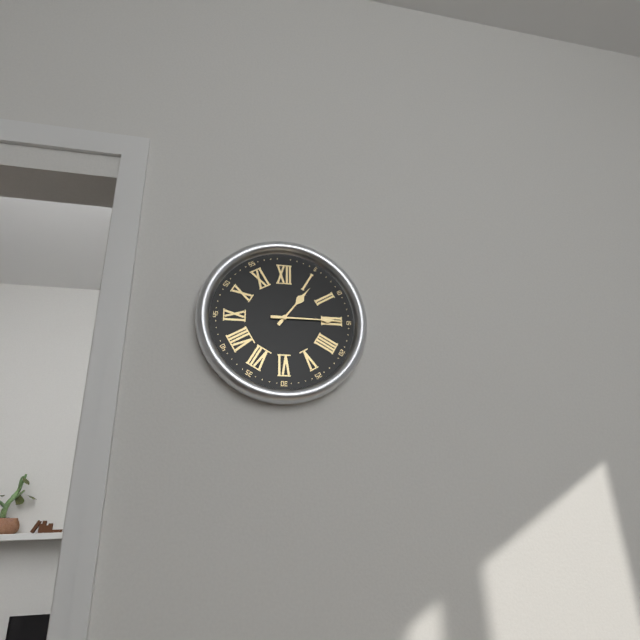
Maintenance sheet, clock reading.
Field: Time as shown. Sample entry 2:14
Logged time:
1:15
